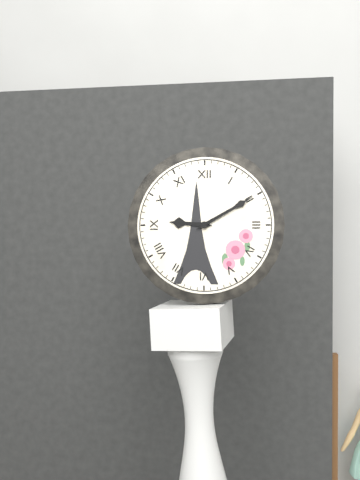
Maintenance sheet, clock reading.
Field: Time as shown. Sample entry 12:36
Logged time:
9:10
